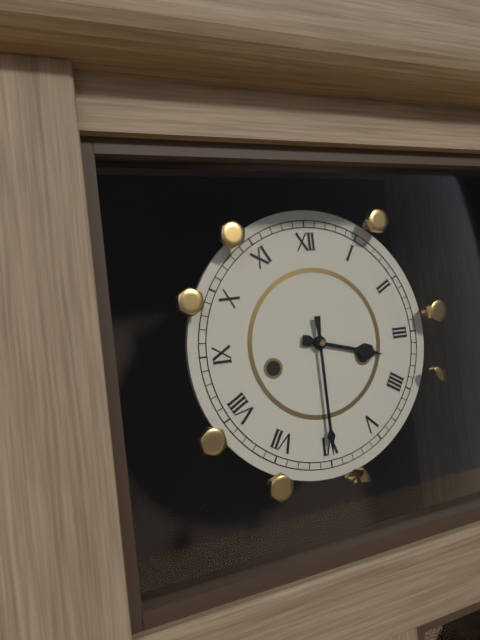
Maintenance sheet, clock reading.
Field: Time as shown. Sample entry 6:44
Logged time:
3:30
